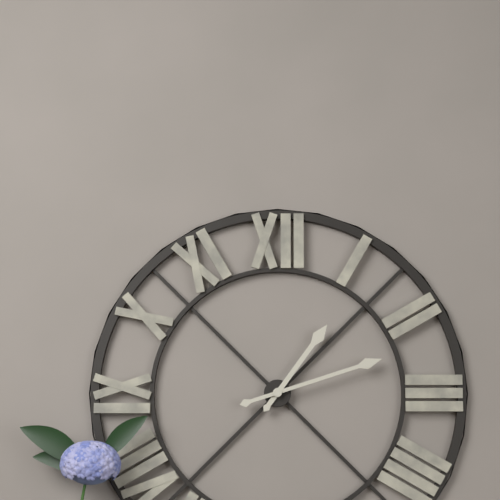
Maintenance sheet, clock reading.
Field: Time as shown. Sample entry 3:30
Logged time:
1:12
